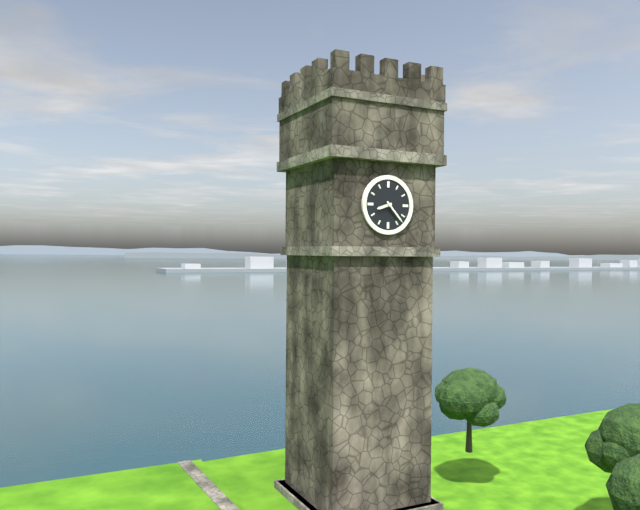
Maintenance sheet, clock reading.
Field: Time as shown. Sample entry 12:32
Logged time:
8:23
